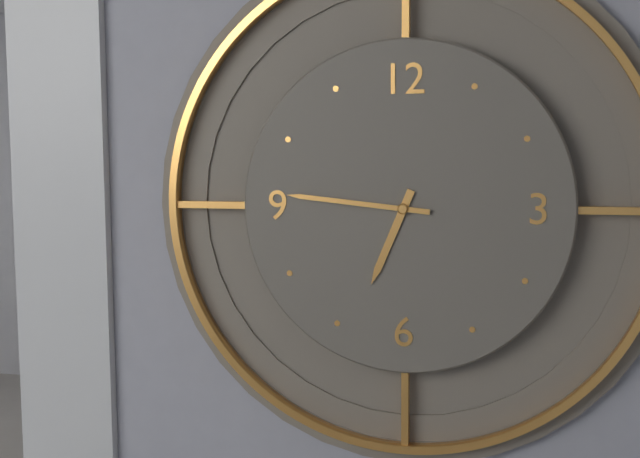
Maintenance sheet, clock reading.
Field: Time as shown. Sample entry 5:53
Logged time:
6:46
